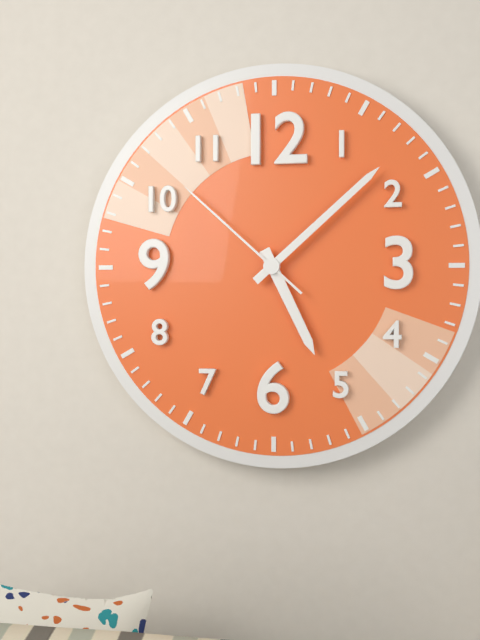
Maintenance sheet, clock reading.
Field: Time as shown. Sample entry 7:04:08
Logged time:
5:08:52
